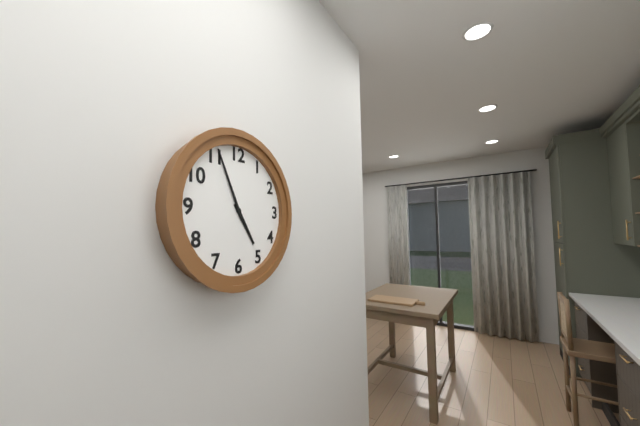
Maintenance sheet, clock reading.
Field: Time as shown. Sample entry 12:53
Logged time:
4:56
